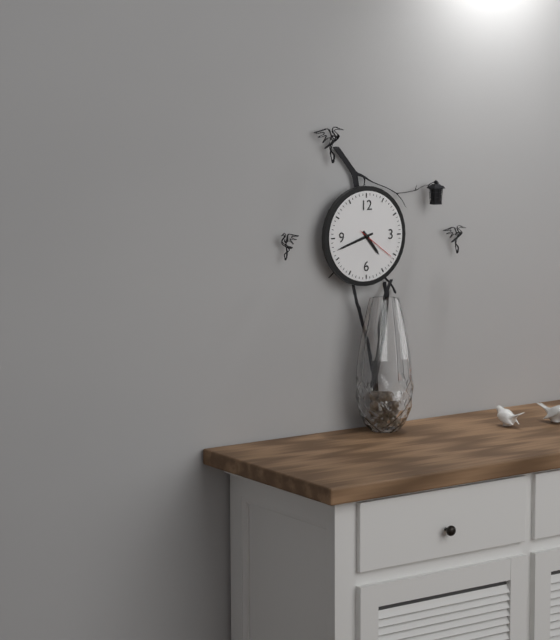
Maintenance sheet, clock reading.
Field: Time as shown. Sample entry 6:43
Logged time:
4:42
